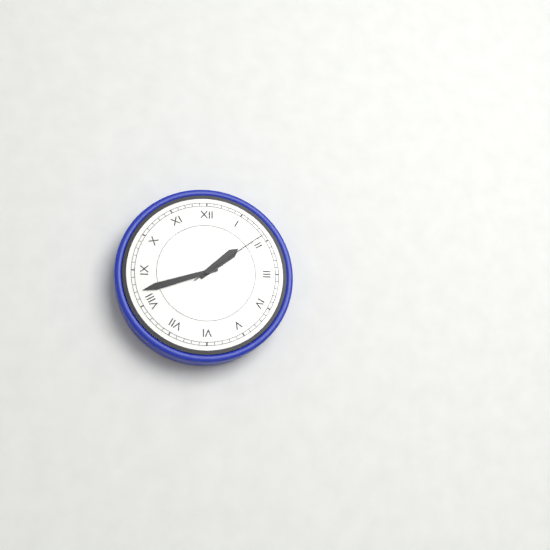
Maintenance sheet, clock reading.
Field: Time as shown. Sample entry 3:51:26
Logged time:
1:42:09
